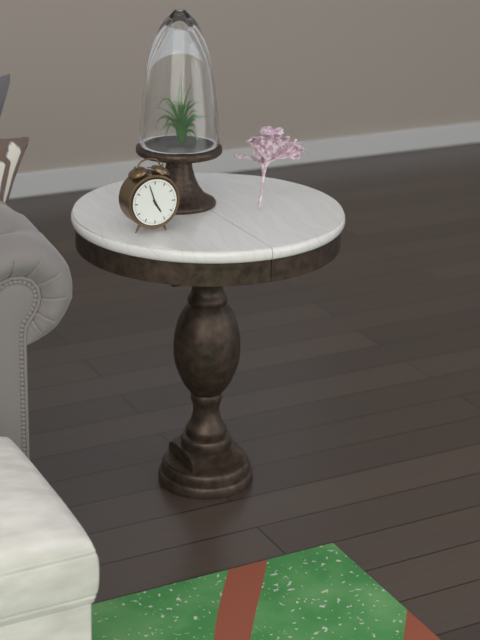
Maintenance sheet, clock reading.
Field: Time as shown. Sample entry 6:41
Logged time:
4:57
